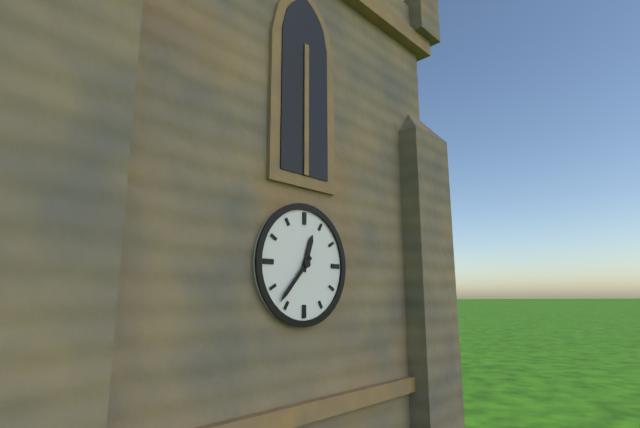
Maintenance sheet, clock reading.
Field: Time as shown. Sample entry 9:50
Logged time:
12:37
